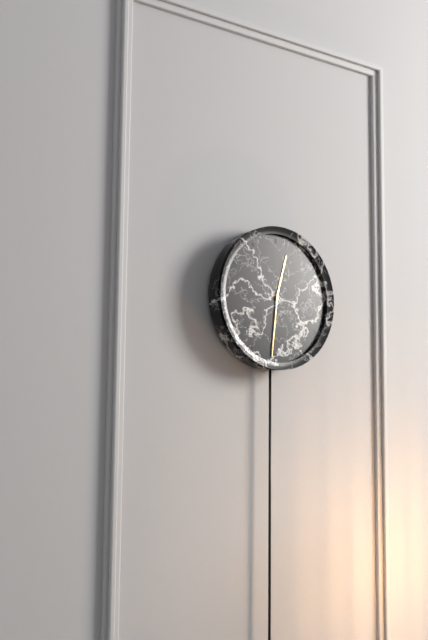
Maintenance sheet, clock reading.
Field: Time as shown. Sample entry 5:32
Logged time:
12:31
